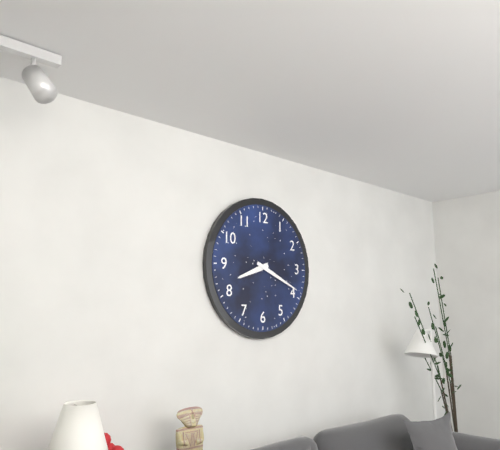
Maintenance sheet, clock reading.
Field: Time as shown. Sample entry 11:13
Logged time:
8:19
